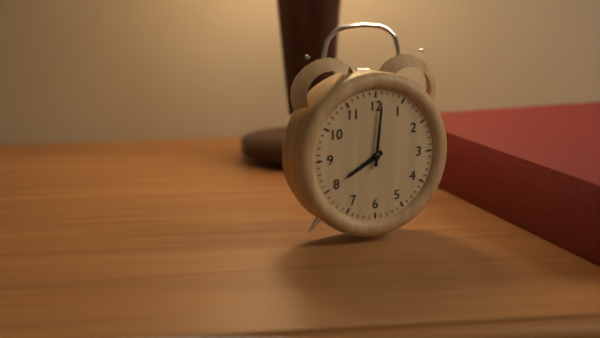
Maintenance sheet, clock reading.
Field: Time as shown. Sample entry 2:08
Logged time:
8:01
